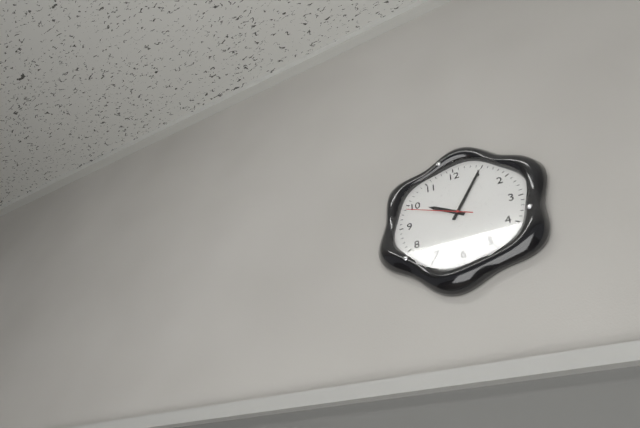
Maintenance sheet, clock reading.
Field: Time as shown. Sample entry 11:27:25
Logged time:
10:05:49
